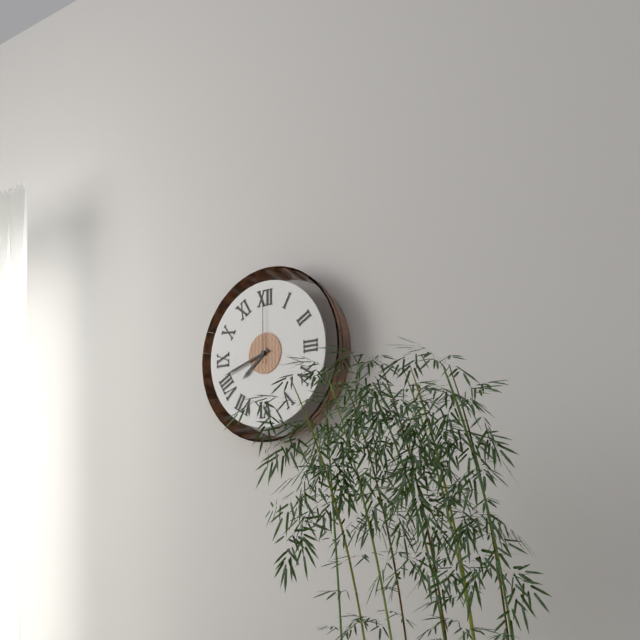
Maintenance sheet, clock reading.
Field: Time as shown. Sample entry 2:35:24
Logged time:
7:42:00
